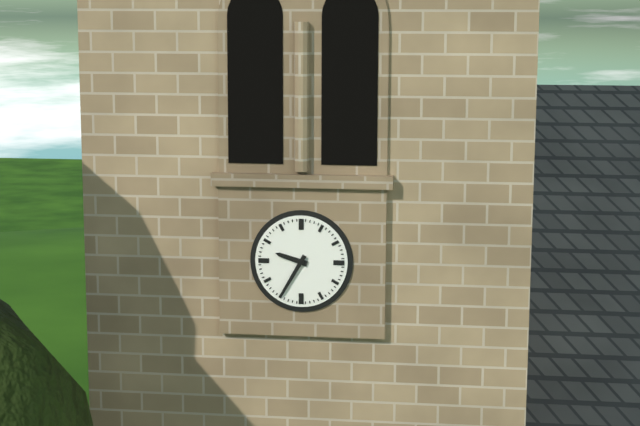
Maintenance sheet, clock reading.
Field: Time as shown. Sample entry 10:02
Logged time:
9:35
